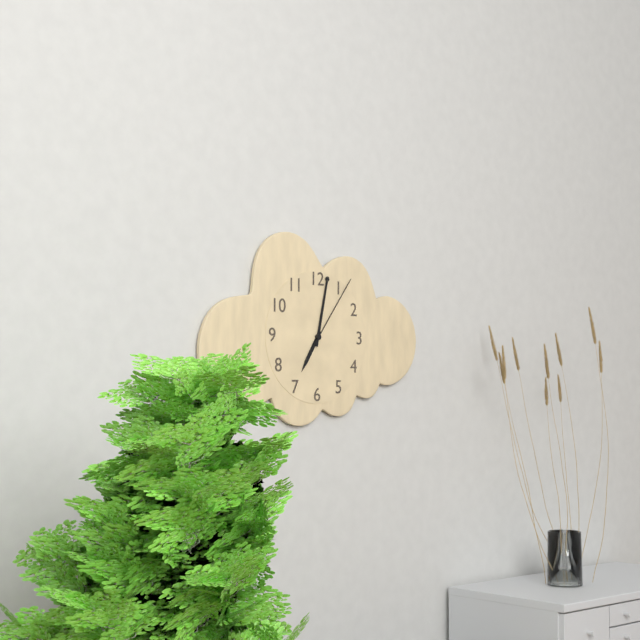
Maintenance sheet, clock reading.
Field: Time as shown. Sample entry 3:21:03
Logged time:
7:02:06
